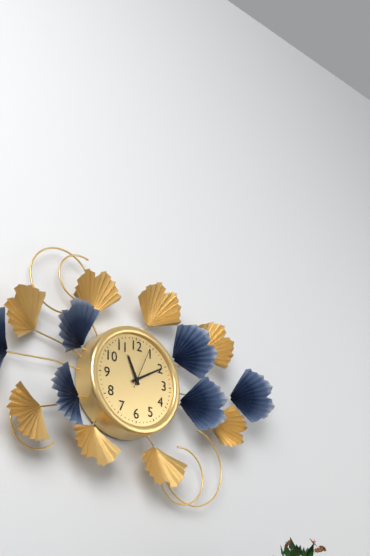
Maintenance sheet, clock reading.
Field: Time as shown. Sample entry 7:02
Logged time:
11:10
